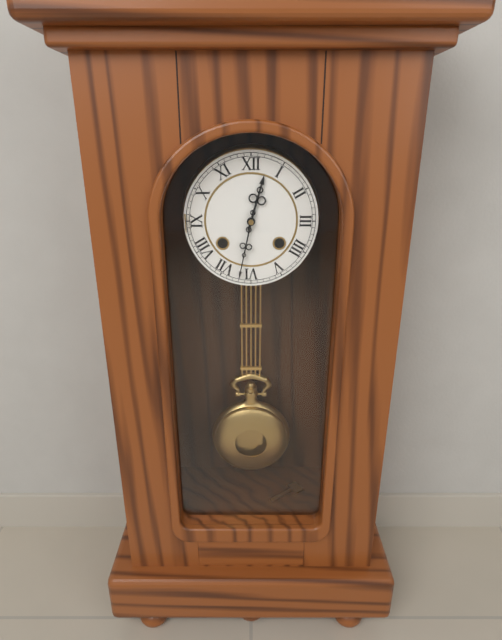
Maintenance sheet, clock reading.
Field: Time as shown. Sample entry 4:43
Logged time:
12:32
